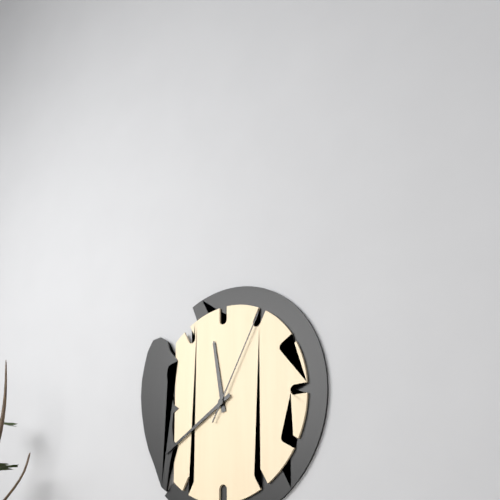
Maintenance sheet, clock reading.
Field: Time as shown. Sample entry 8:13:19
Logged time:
11:40:05
